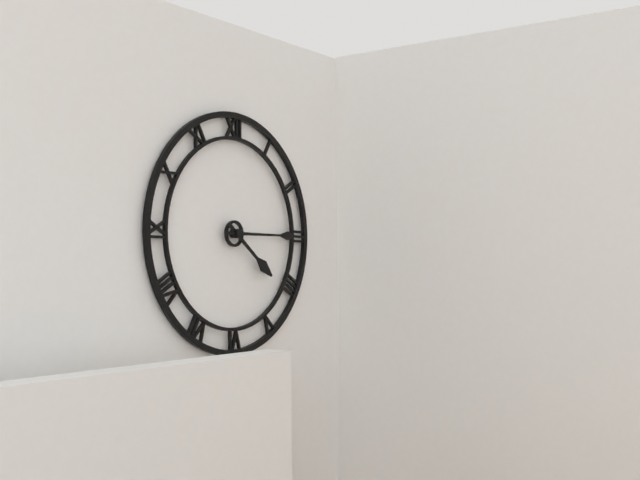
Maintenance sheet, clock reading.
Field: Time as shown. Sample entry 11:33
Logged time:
4:15
